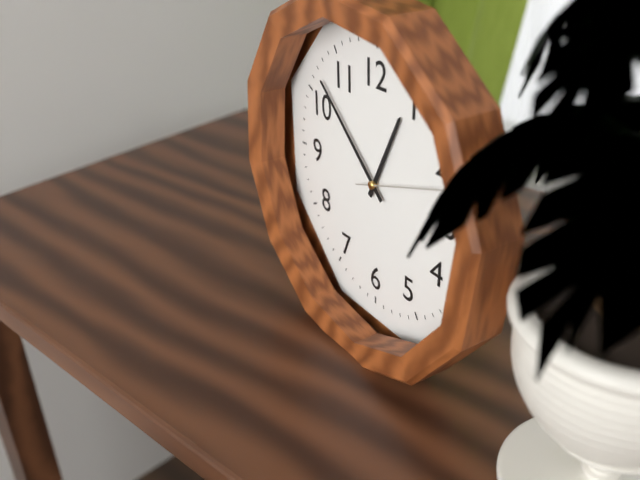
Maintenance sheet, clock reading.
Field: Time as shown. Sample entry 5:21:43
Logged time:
12:52:12
